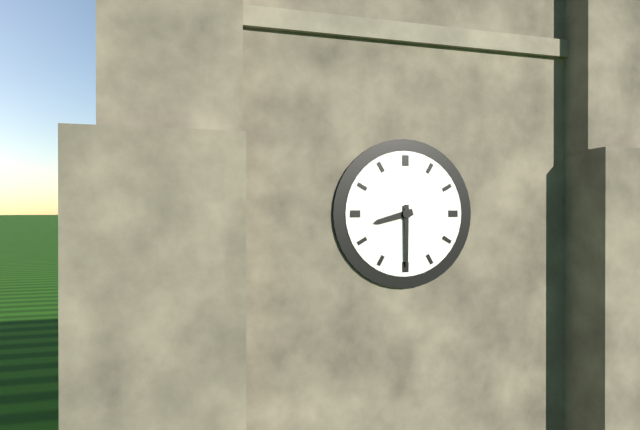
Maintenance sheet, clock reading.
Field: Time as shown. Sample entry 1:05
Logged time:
8:30
